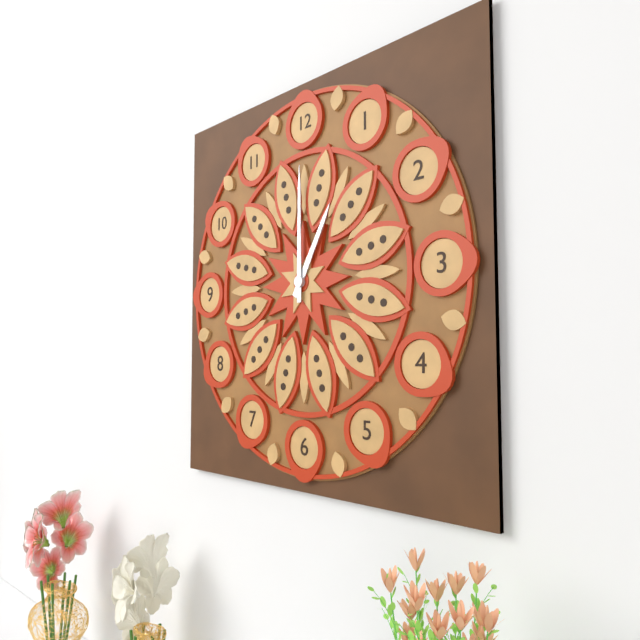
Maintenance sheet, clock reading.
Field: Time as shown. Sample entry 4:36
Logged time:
1:00
